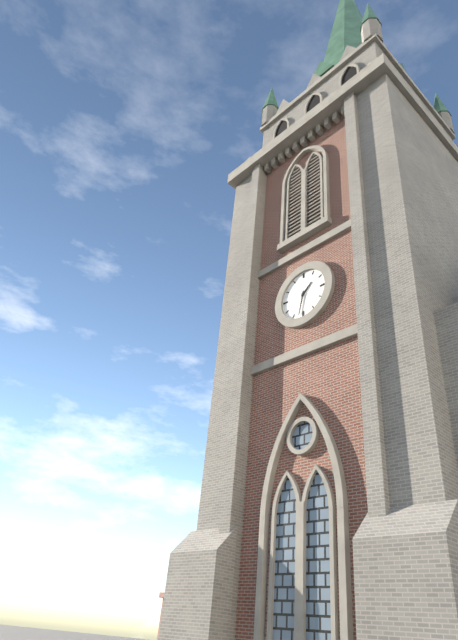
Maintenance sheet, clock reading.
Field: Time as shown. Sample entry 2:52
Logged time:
1:32
